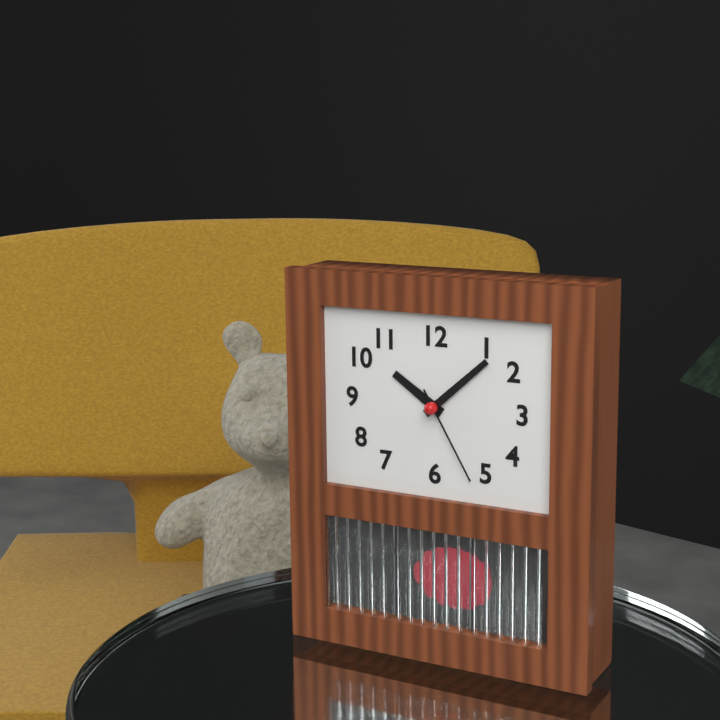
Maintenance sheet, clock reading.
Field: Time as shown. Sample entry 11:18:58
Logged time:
10:08:25
